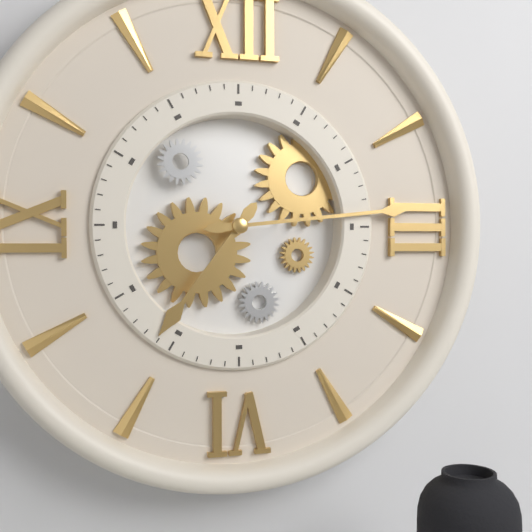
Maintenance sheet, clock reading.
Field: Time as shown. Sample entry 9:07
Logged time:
7:14
